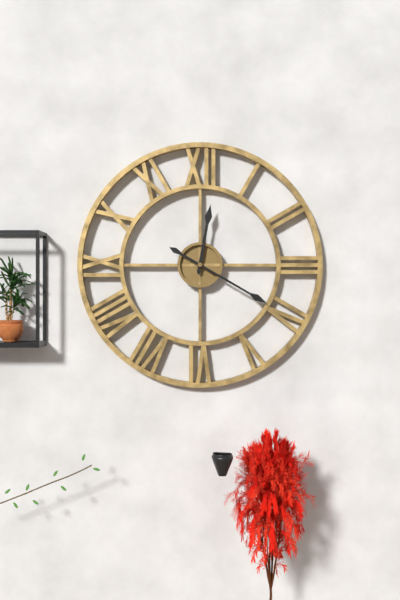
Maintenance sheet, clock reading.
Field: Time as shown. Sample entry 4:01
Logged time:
12:20
